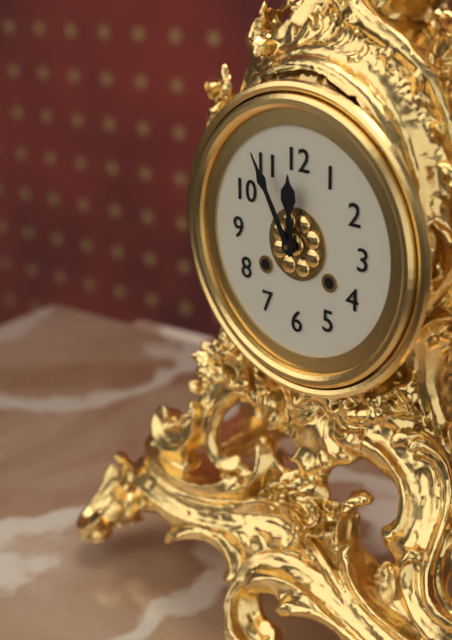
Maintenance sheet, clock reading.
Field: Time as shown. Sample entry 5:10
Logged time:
11:55
